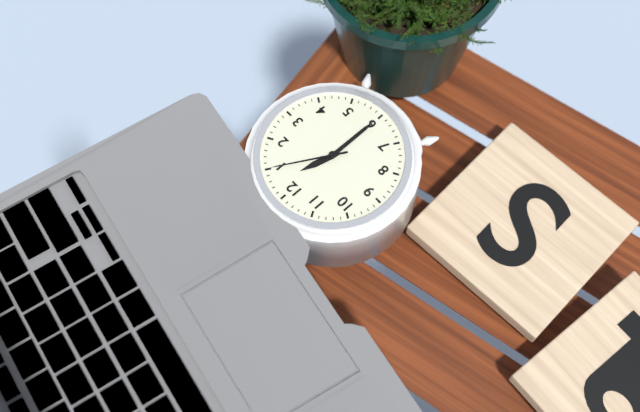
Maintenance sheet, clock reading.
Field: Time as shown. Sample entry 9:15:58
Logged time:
12:30:05
